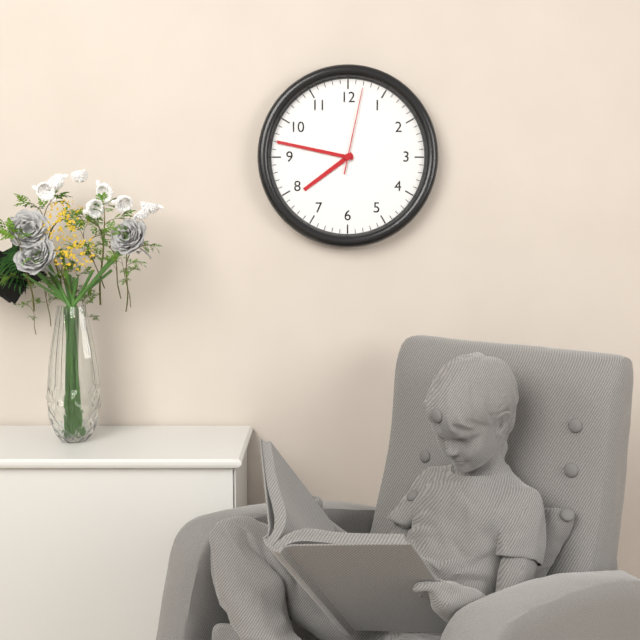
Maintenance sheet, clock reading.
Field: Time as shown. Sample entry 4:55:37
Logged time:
7:47:02
